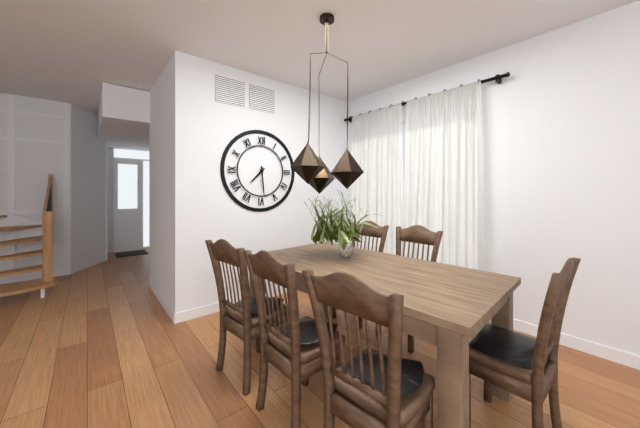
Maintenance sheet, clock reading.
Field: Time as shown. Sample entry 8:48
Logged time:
7:29
